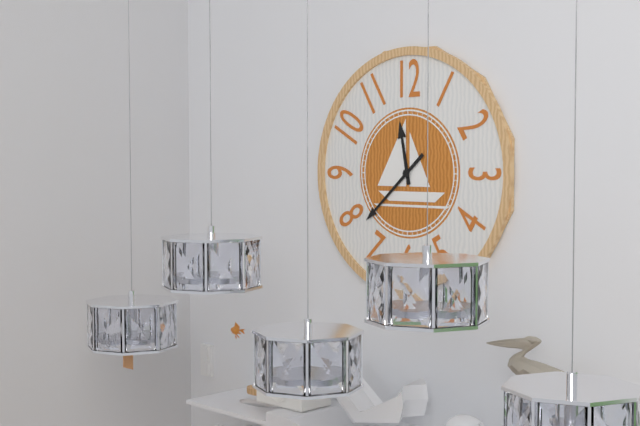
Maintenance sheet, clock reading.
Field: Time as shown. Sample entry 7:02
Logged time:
11:38
